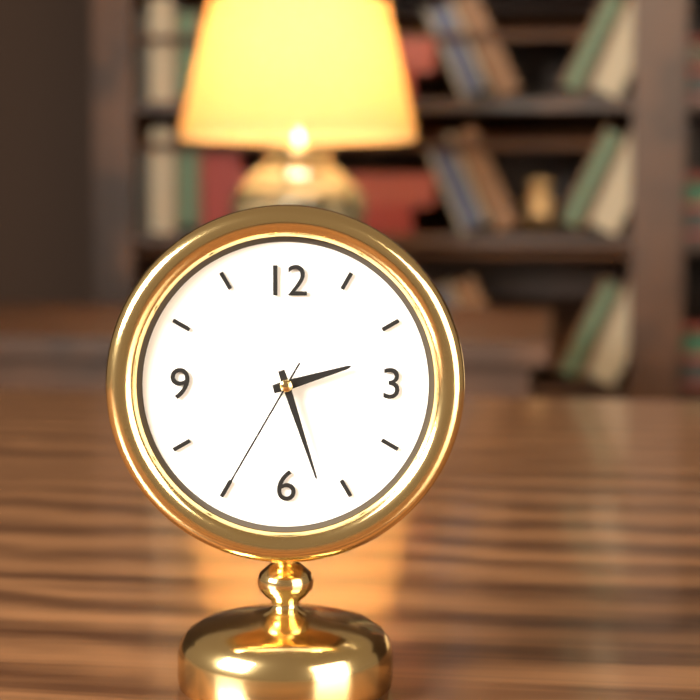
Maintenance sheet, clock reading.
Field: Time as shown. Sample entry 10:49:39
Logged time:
2:27:35
